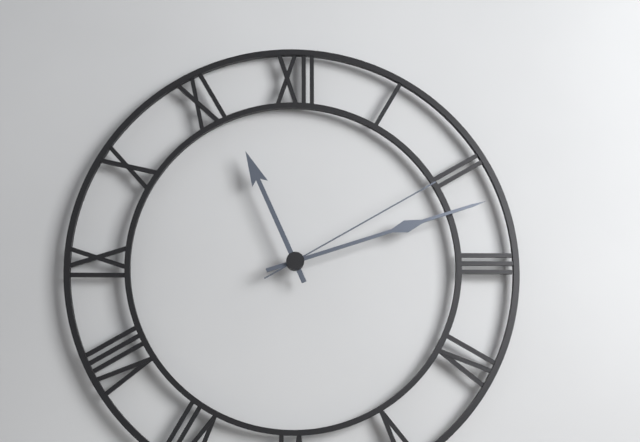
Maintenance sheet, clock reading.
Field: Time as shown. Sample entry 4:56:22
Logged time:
11:12:10
